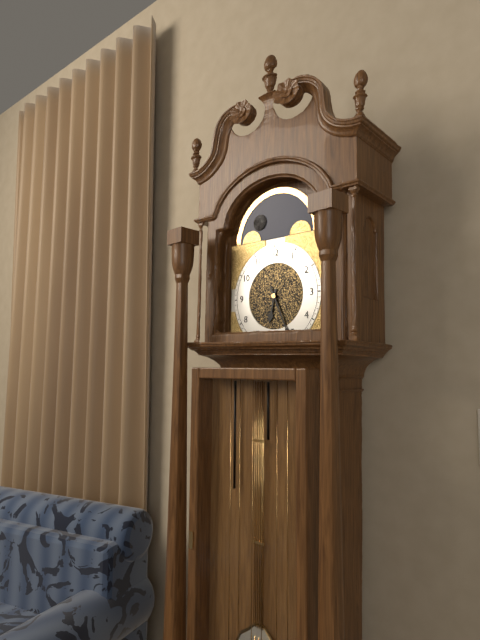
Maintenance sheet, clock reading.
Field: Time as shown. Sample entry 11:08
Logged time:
6:26
